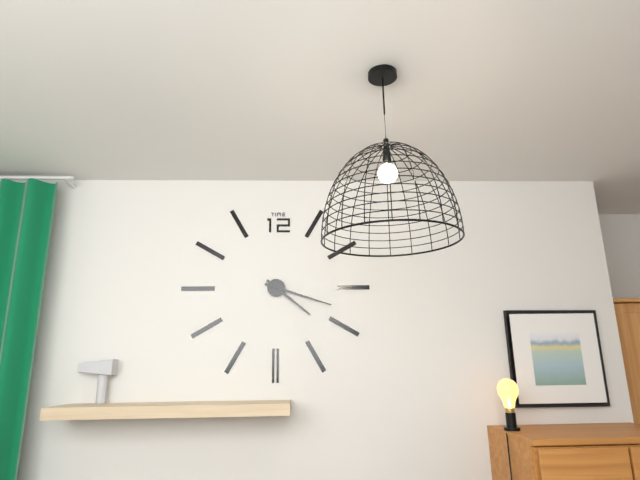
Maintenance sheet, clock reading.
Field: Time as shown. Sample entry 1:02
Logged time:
4:18
